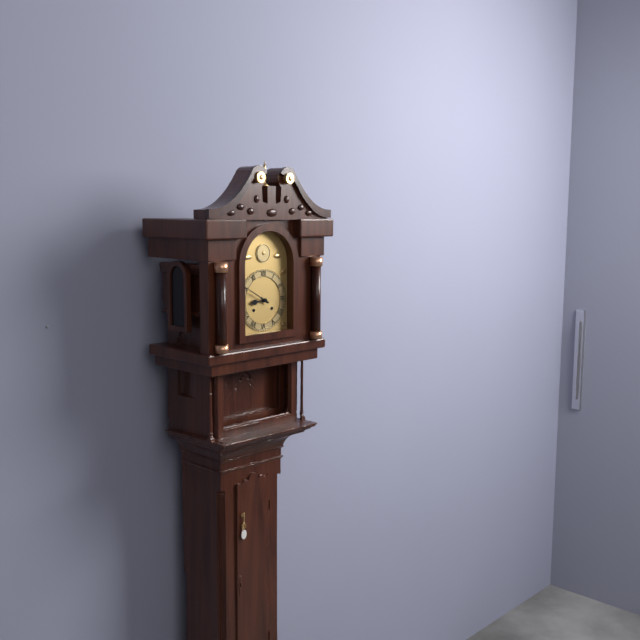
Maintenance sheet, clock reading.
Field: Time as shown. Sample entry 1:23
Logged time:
8:50
